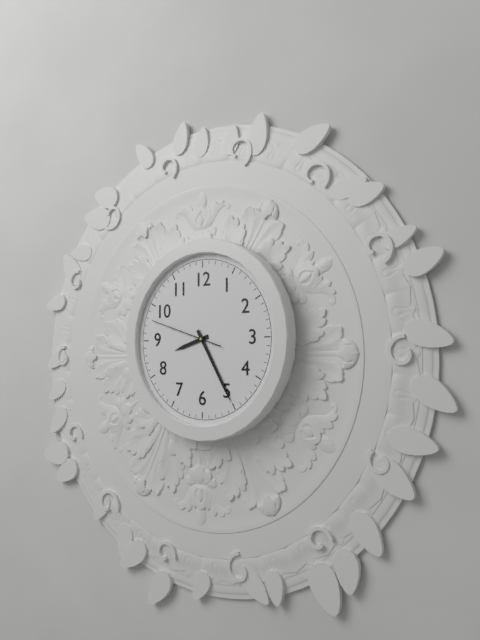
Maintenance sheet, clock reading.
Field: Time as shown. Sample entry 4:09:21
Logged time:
8:25:48
